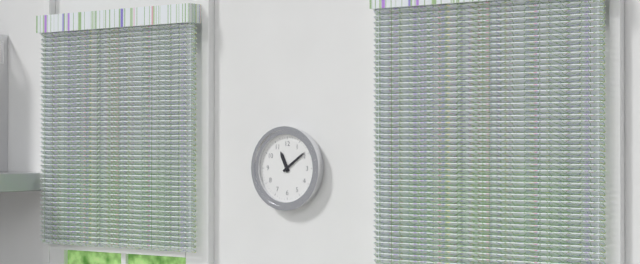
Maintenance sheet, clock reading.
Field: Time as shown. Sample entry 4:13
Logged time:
11:09
